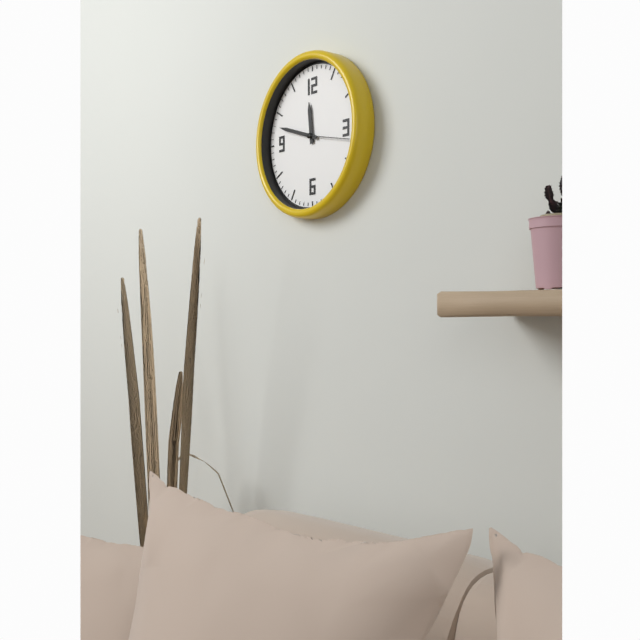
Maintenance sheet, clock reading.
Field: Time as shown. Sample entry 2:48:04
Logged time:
11:48:17
